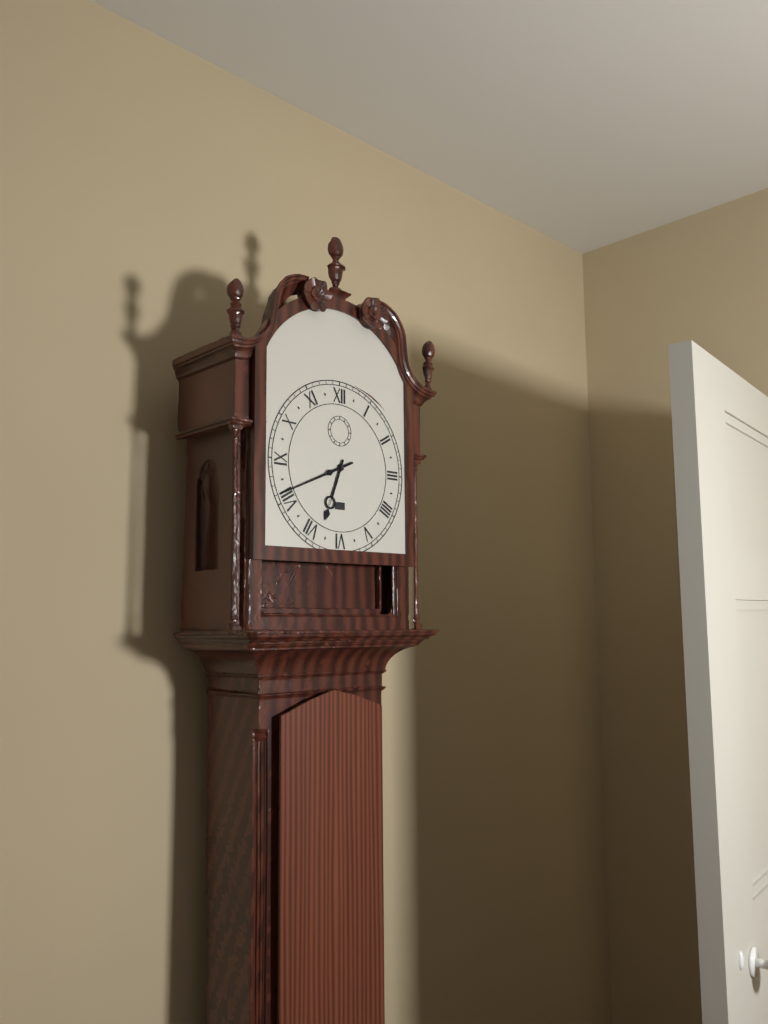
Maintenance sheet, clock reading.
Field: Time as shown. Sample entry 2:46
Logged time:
6:41
